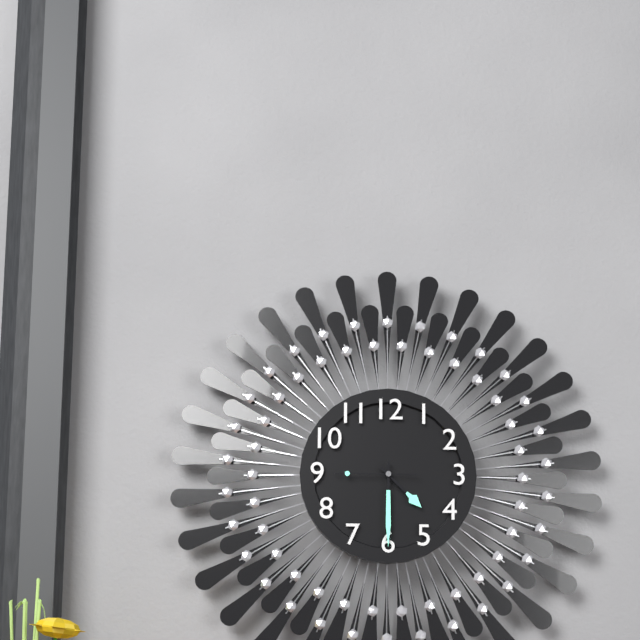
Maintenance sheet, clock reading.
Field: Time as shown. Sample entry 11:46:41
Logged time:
4:30:45
